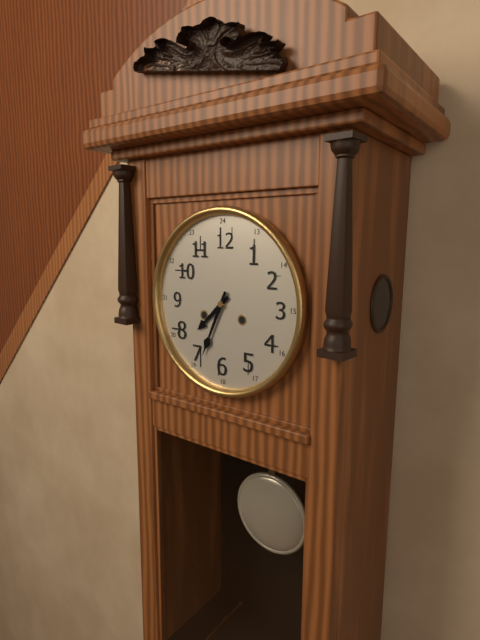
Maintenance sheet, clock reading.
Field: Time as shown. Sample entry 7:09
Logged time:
7:34
